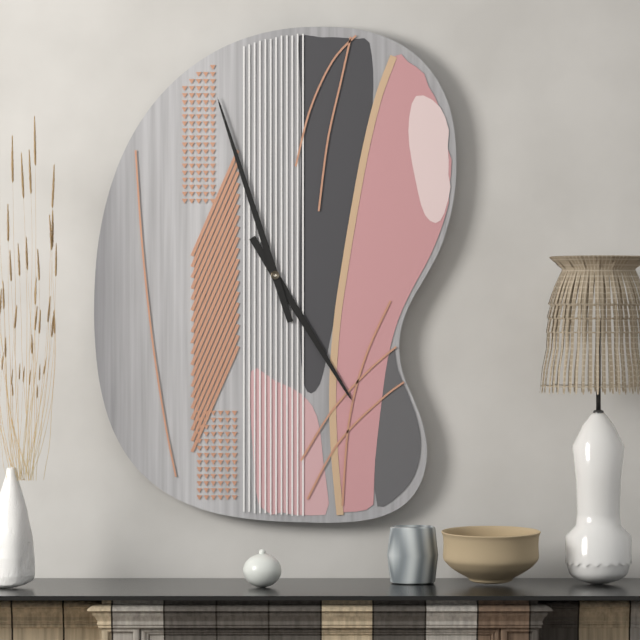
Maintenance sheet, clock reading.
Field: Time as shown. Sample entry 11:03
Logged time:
4:57
